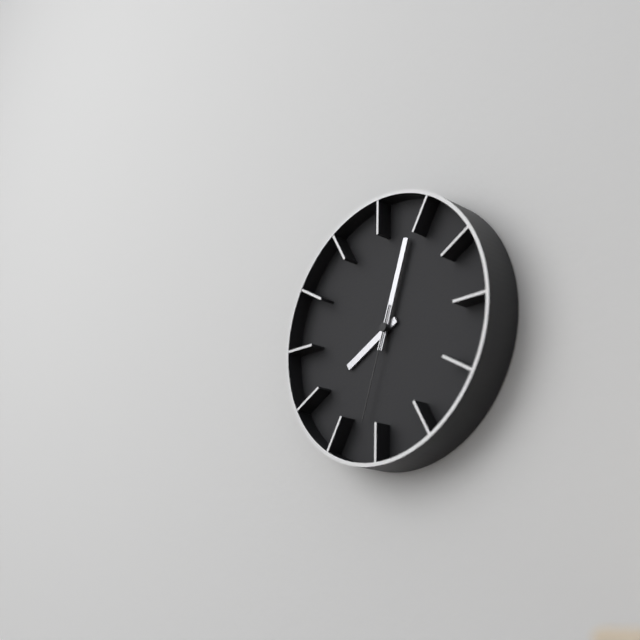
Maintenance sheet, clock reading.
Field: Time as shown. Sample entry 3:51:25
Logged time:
8:03:33
